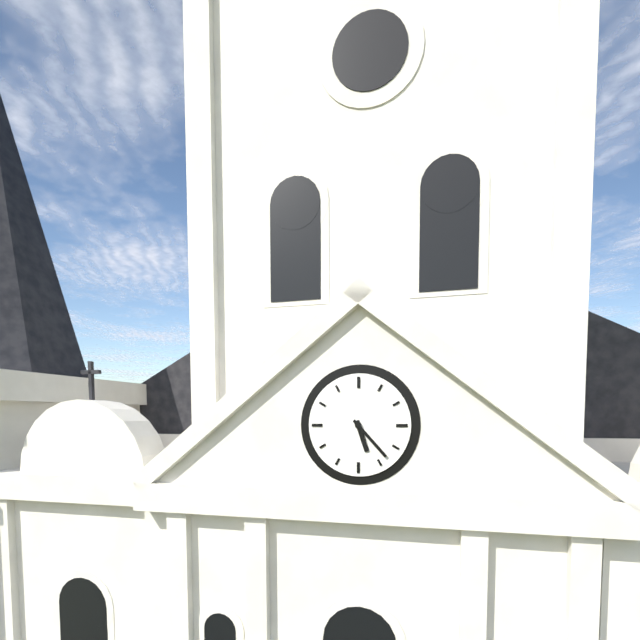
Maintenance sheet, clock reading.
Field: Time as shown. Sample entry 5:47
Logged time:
5:23
